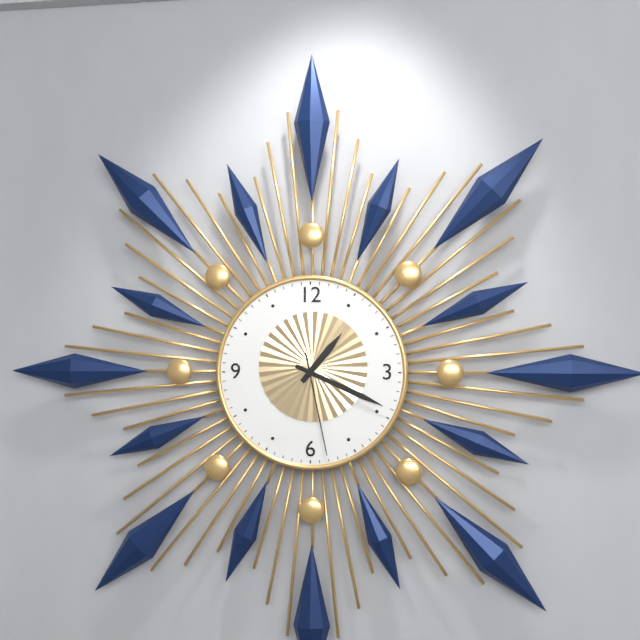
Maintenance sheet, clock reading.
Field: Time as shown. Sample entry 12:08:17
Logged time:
1:19:28
